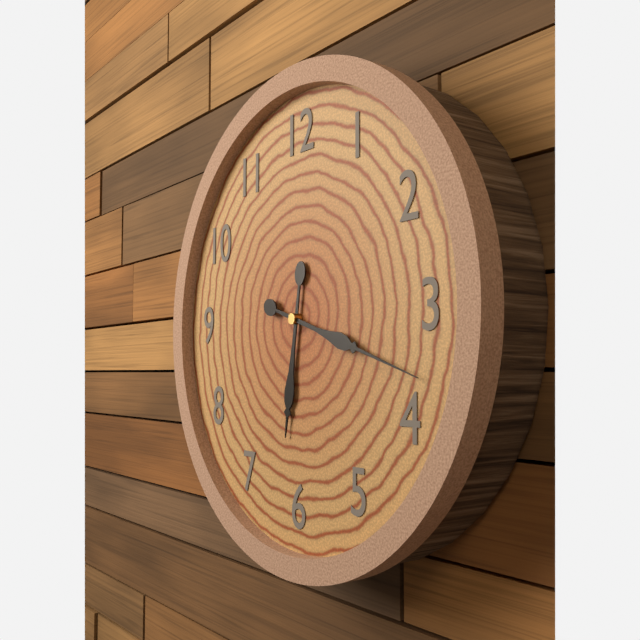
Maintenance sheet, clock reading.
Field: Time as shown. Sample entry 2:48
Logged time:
6:18
